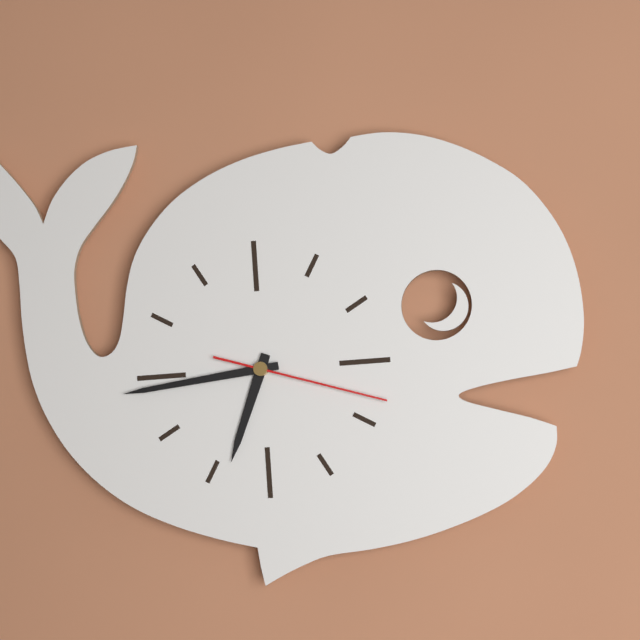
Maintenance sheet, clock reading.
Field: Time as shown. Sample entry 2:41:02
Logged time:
6:44:18
